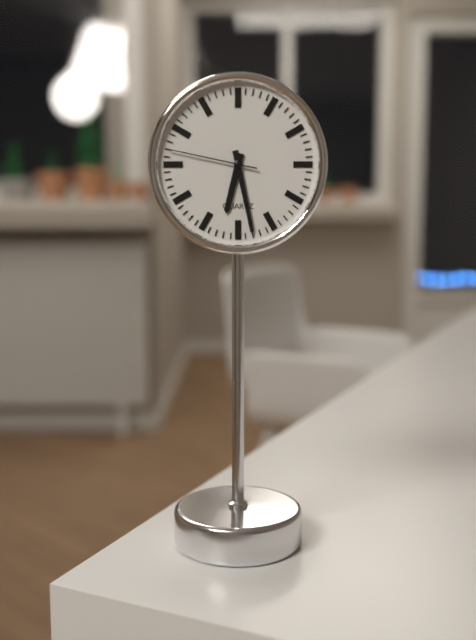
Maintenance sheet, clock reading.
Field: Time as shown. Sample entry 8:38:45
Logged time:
6:28:47
